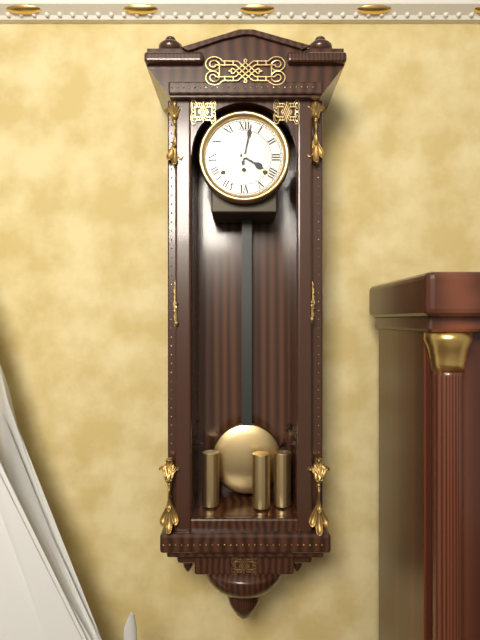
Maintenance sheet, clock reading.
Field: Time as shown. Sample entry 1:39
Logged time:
4:02
